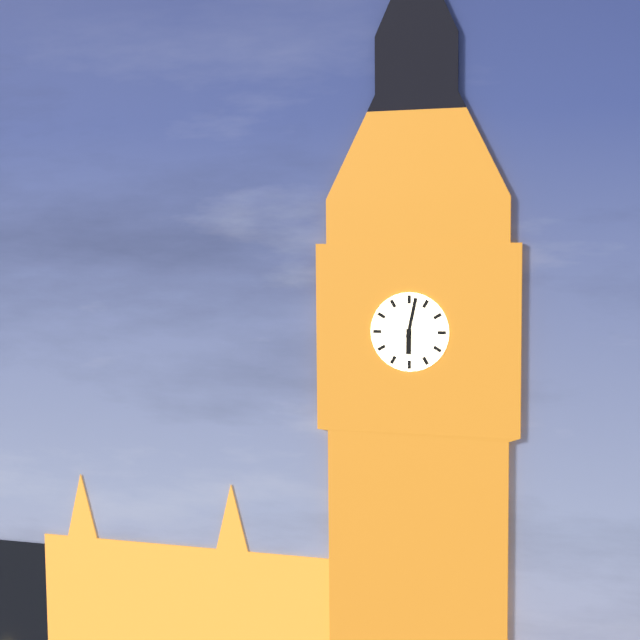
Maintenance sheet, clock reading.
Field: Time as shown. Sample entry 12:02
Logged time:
6:02
